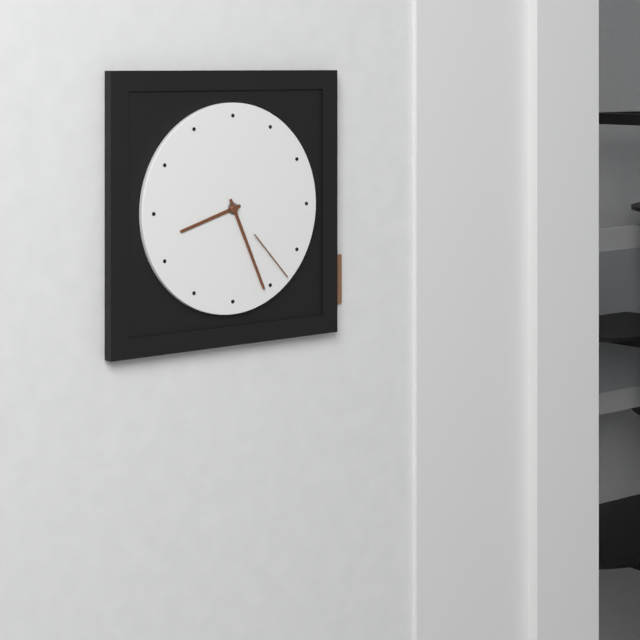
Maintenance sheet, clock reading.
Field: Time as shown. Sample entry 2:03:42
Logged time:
8:26:23
